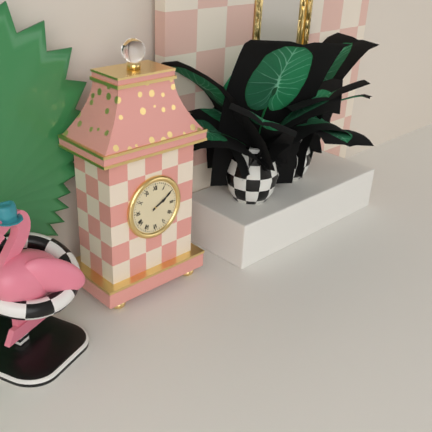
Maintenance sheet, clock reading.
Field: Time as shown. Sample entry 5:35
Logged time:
2:10
